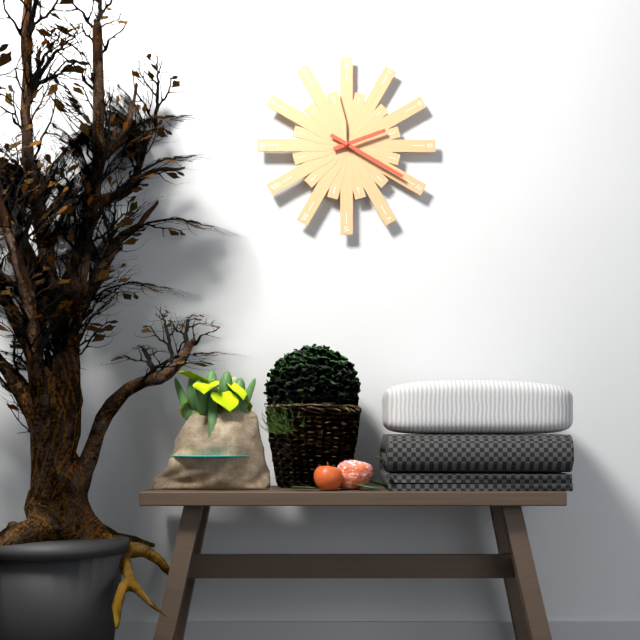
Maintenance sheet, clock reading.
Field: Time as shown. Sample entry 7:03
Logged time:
2:20
